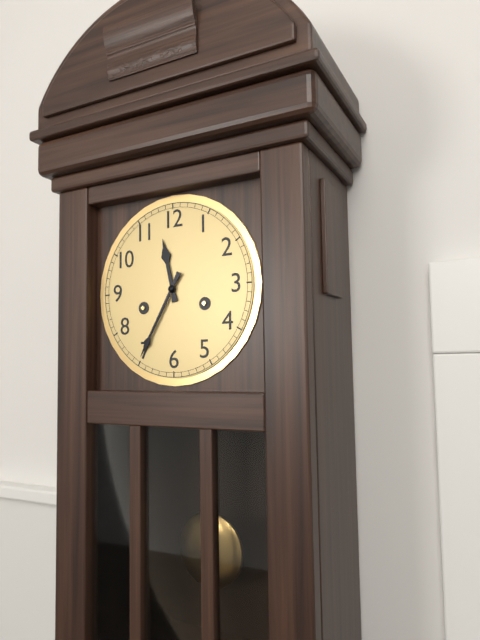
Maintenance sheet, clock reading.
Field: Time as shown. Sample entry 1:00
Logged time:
11:35
